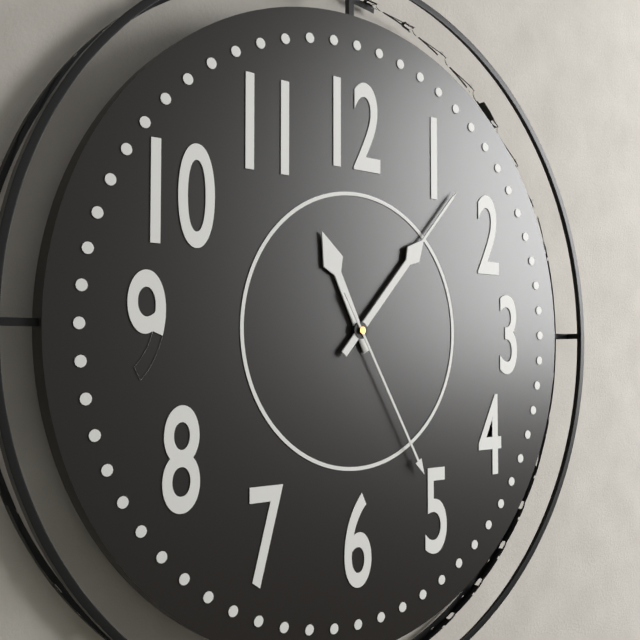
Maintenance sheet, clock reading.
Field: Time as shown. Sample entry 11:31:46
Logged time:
11:07:25
